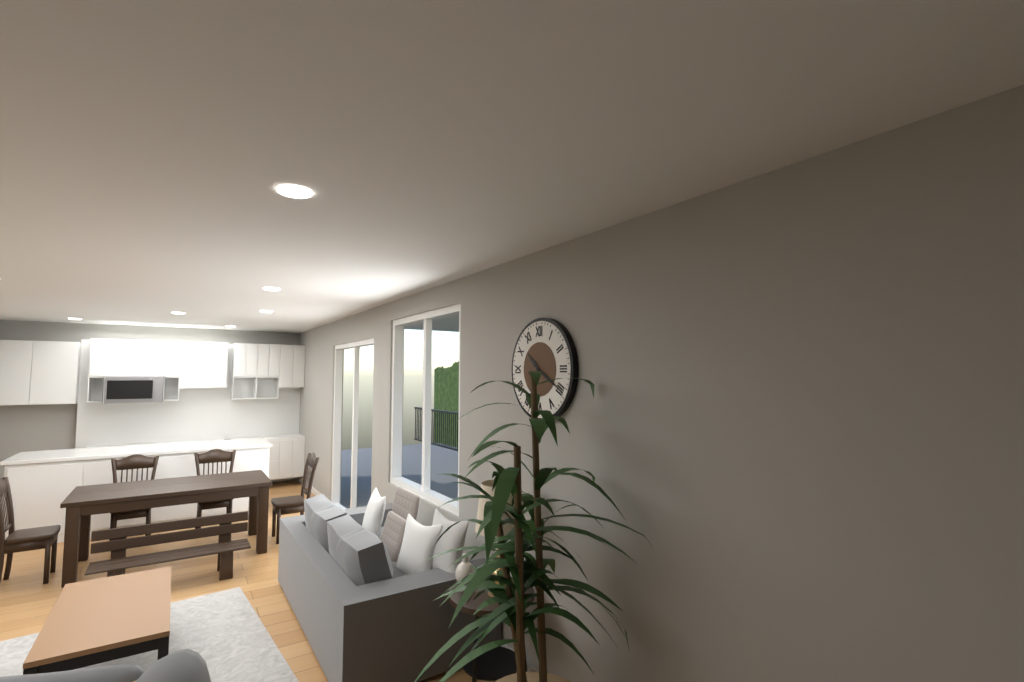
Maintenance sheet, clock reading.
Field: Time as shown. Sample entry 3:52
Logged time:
10:20
